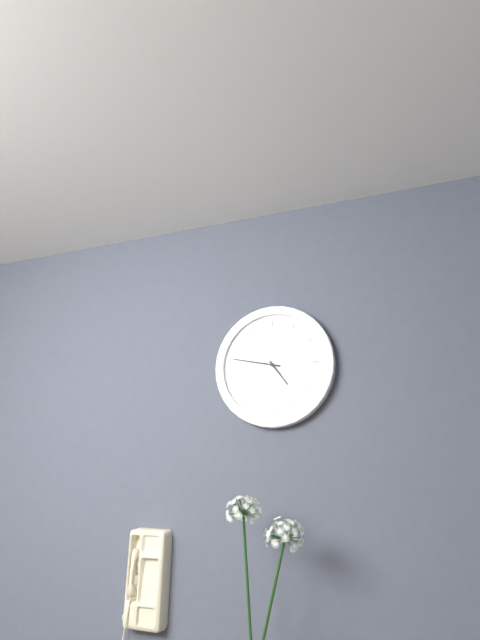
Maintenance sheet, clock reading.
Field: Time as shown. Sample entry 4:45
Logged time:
4:47
